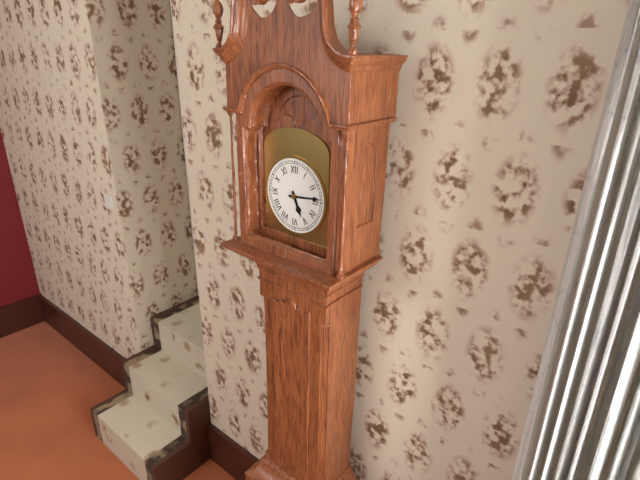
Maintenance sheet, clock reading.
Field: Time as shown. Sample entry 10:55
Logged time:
5:14
